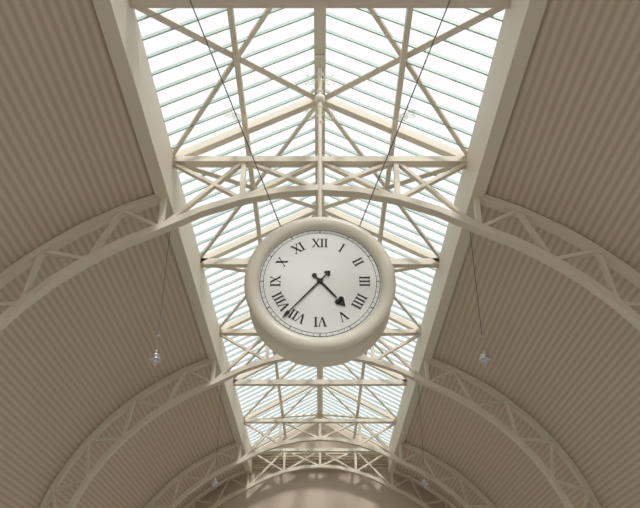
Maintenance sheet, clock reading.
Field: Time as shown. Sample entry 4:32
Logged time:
4:37
